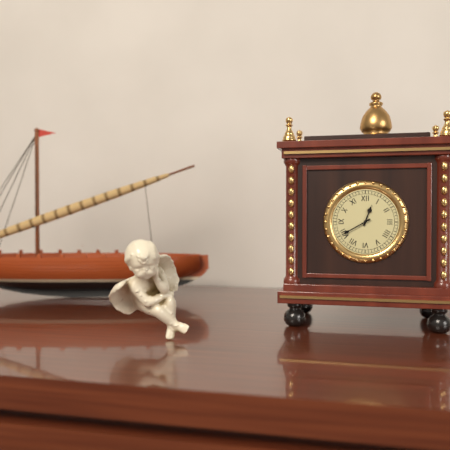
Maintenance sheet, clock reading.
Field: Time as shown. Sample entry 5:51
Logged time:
12:40
